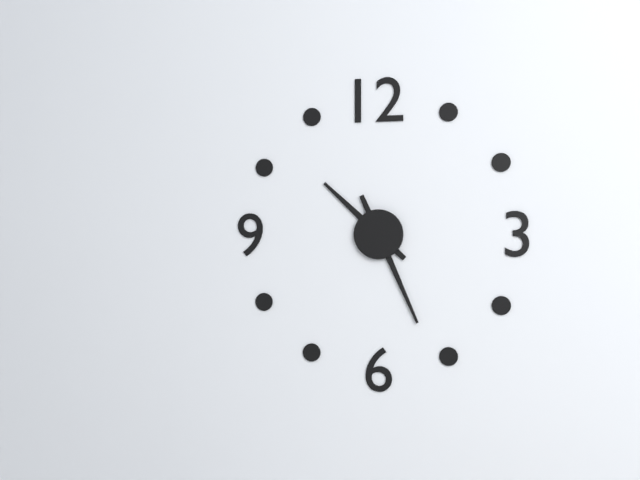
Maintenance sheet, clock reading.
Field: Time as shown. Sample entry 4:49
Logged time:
10:26
